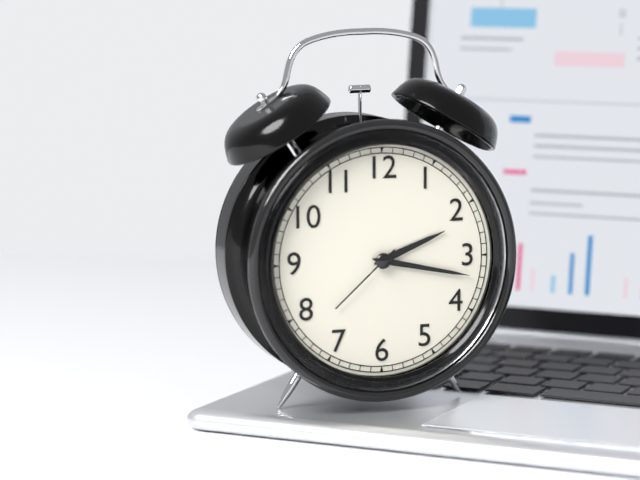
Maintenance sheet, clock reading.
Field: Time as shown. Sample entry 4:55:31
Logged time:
2:17:38
